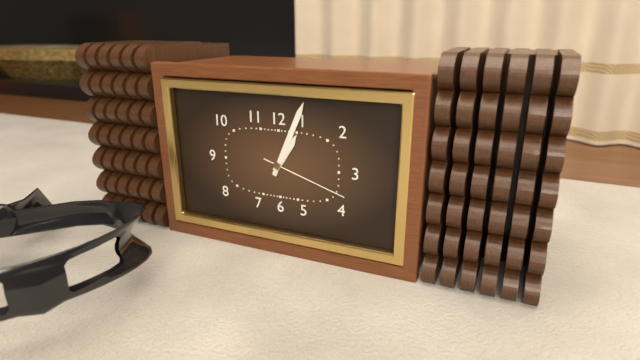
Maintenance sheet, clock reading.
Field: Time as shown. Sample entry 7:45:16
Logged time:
1:04:18
